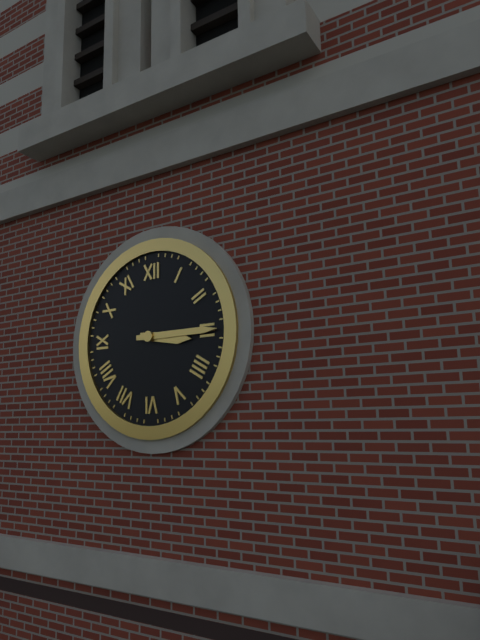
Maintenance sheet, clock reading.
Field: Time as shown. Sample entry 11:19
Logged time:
3:15
